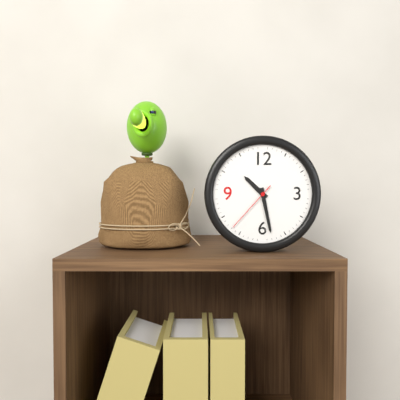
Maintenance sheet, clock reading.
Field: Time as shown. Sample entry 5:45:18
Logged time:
10:28:37
